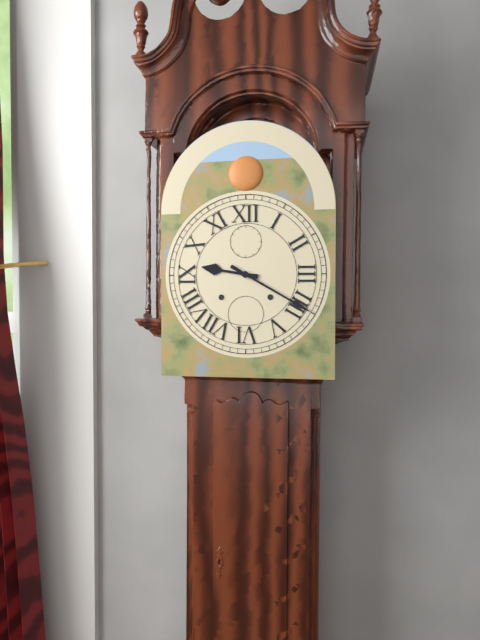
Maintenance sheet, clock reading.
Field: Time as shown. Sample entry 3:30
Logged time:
9:20
